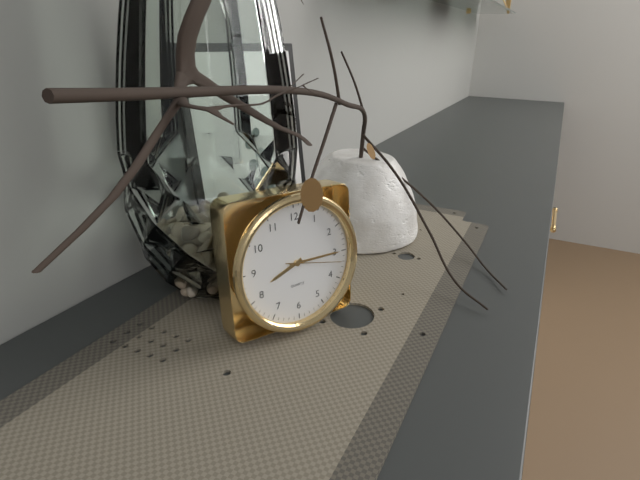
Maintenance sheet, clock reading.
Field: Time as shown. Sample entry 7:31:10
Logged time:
8:15:17
